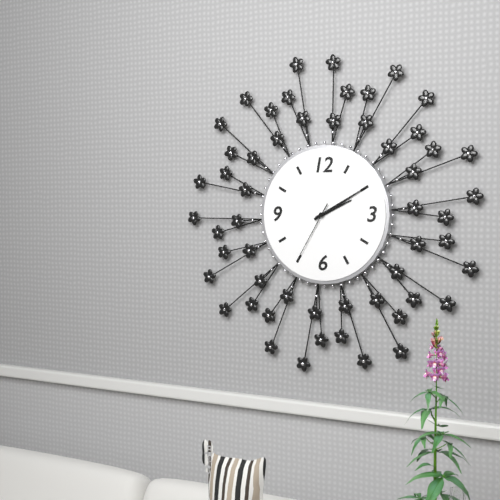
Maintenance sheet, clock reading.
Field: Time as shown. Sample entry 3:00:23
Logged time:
2:10:35
